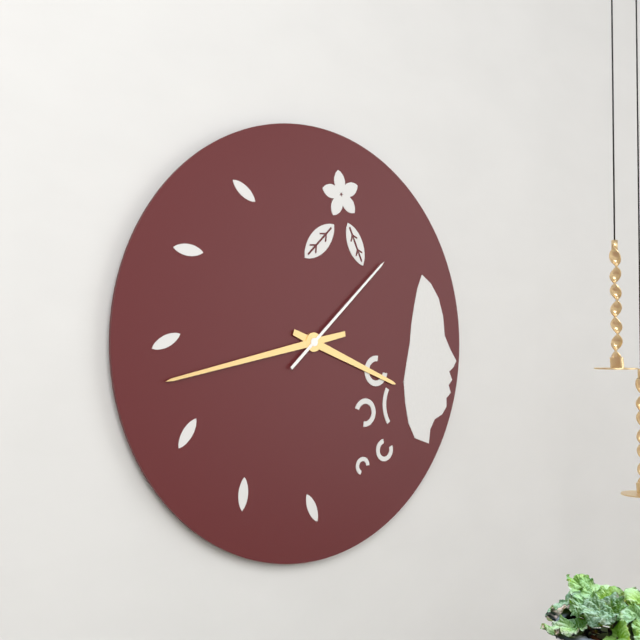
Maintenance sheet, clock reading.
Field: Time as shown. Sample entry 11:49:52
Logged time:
3:43:08
